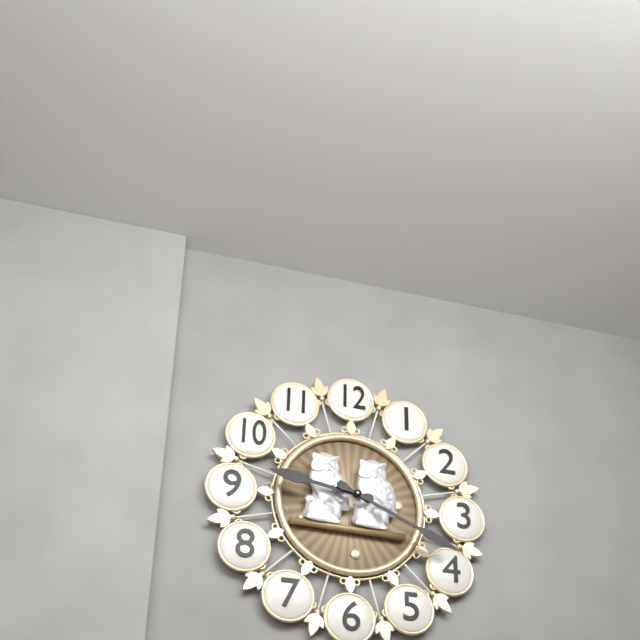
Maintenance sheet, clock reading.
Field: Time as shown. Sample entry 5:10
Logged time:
9:19
